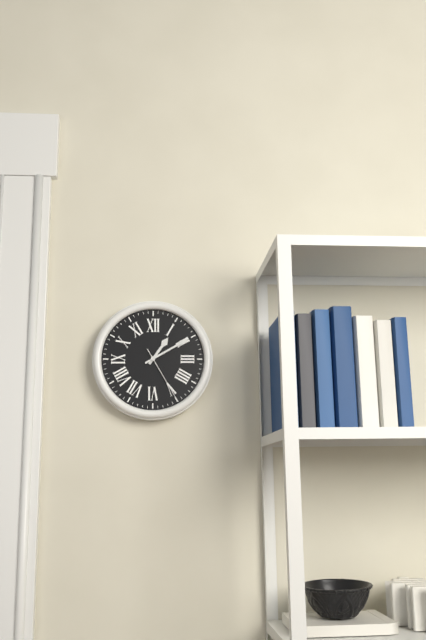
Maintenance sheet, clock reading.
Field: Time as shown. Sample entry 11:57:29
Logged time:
1:10:25
